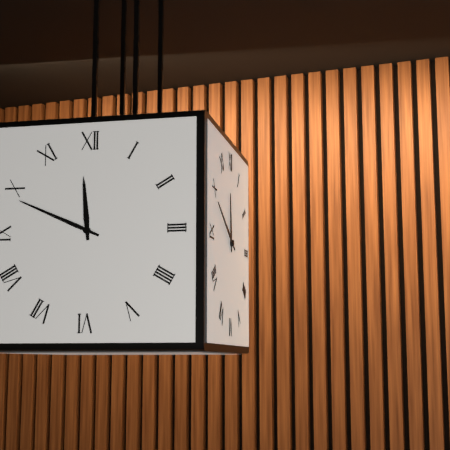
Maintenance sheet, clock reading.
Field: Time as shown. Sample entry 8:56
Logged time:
11:49
